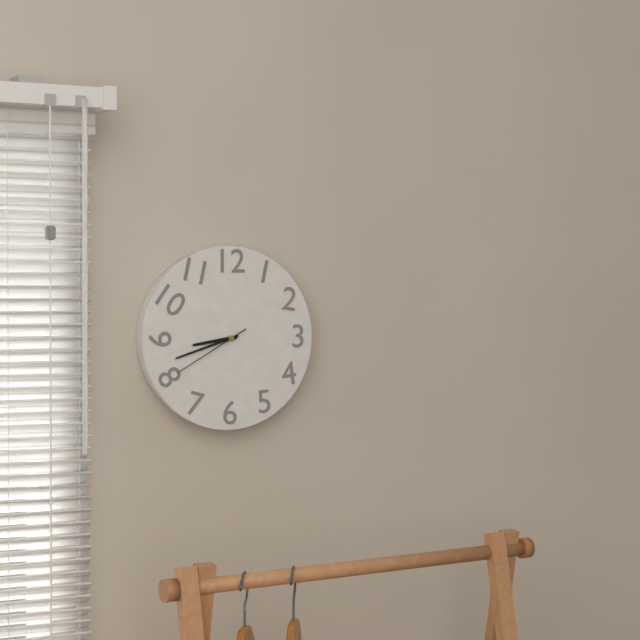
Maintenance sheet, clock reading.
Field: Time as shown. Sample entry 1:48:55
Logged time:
8:42:40
